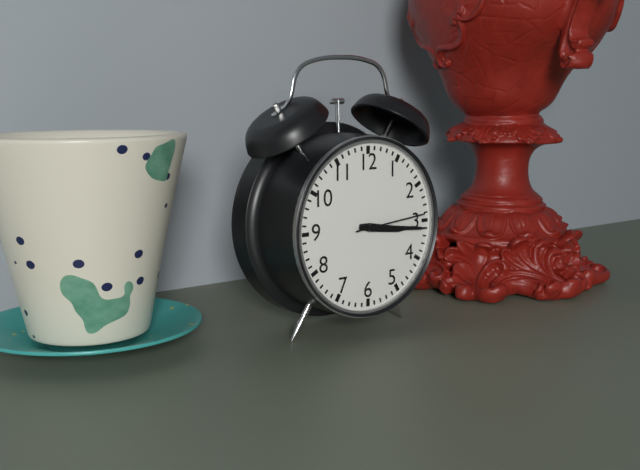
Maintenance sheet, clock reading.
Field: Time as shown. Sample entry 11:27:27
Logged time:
3:16:14
